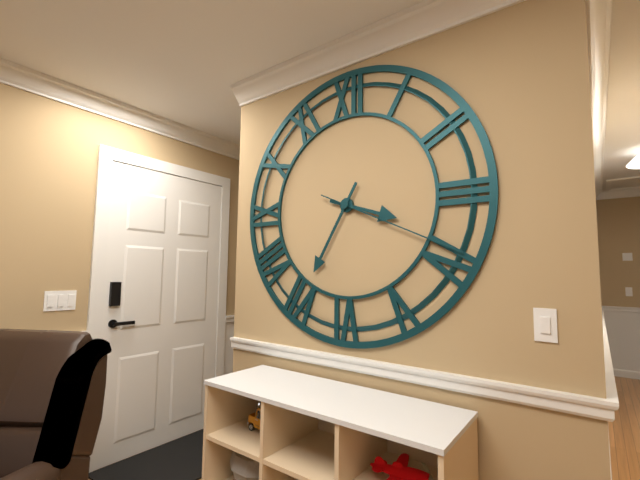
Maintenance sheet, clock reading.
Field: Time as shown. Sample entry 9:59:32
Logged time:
3:35:19
